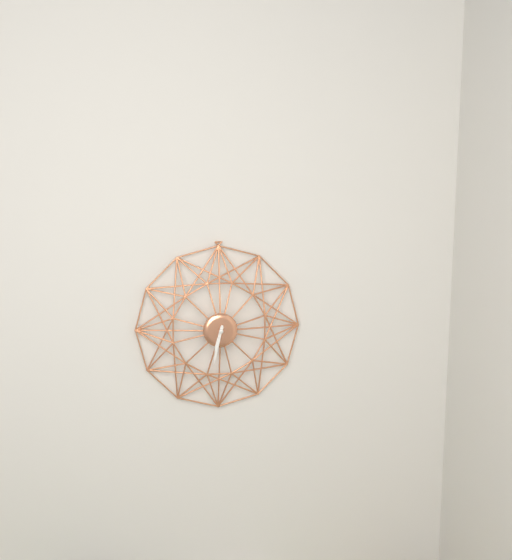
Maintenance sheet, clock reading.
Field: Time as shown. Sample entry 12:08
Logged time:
6:32
